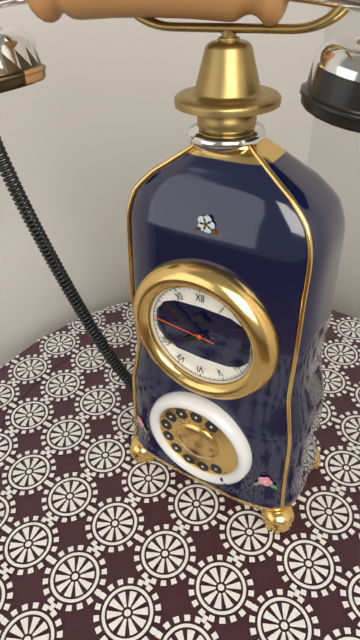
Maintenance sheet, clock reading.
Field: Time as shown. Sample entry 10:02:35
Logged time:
7:51:46
